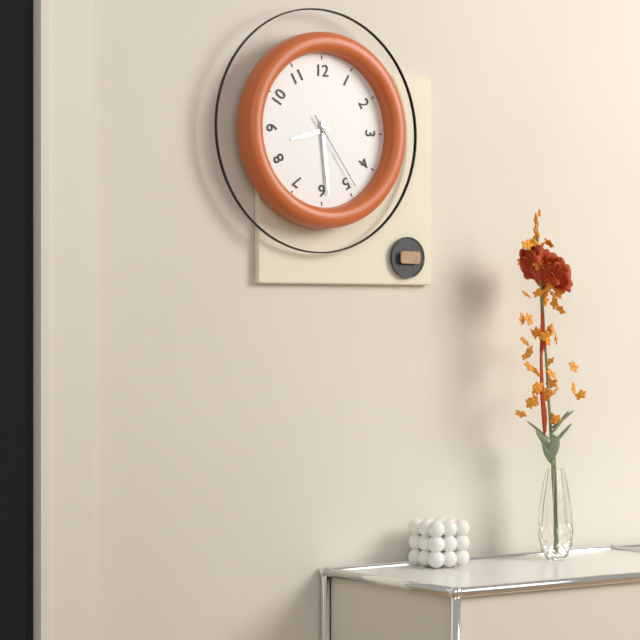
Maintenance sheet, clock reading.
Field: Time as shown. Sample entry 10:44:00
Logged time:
8:29:24
